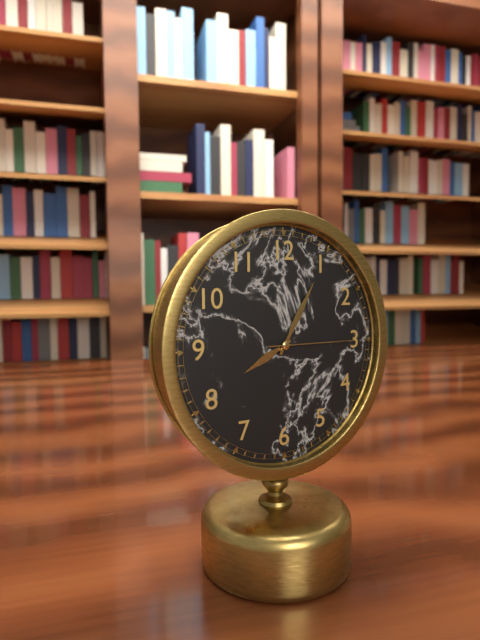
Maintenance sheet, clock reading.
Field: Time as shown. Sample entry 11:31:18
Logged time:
8:05:15
